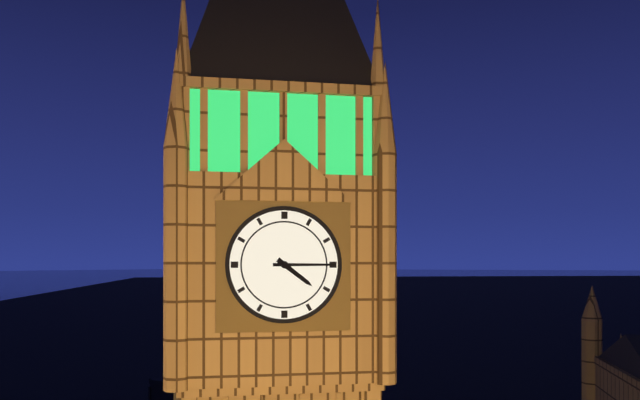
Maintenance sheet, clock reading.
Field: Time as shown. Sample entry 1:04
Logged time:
4:15
